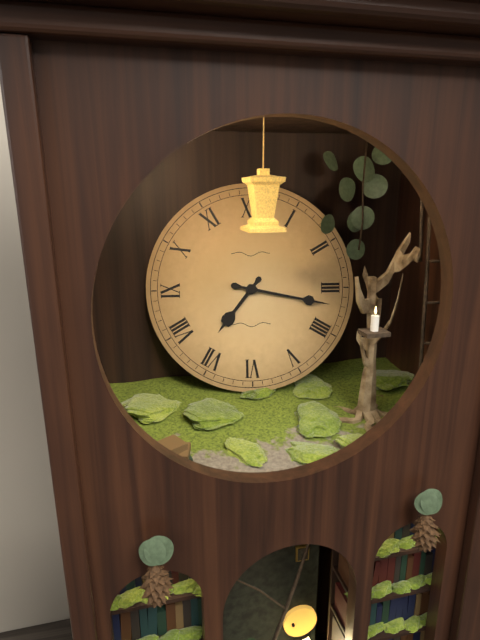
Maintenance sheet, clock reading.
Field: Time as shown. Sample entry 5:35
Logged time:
7:17
